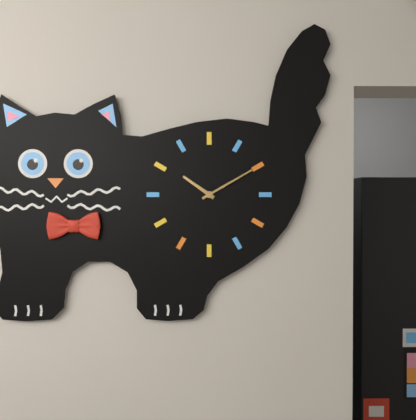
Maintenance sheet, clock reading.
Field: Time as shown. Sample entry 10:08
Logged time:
10:10
